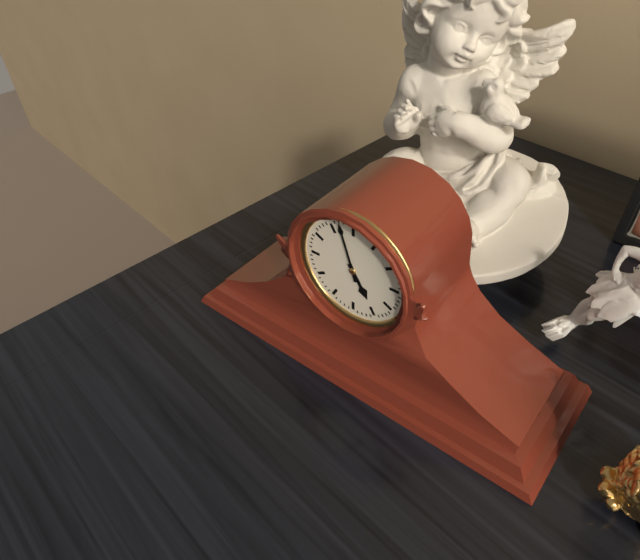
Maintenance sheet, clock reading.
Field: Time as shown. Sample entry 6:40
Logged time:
4:57
